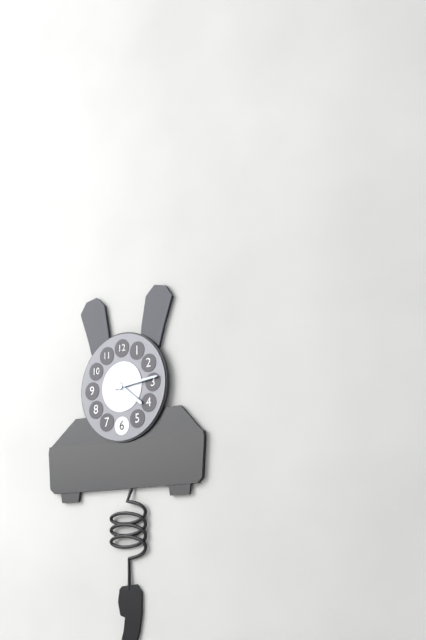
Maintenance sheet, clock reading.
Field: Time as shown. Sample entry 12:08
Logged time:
4:14
